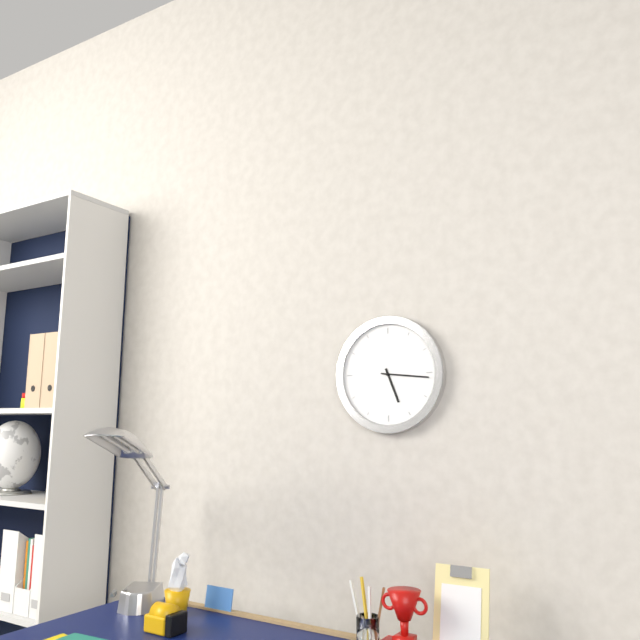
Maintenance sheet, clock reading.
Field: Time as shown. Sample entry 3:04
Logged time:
5:16
